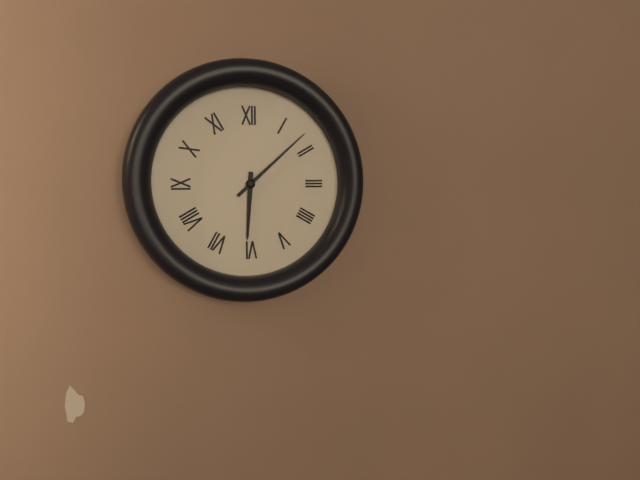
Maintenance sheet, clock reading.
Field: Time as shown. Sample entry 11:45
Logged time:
6:08
